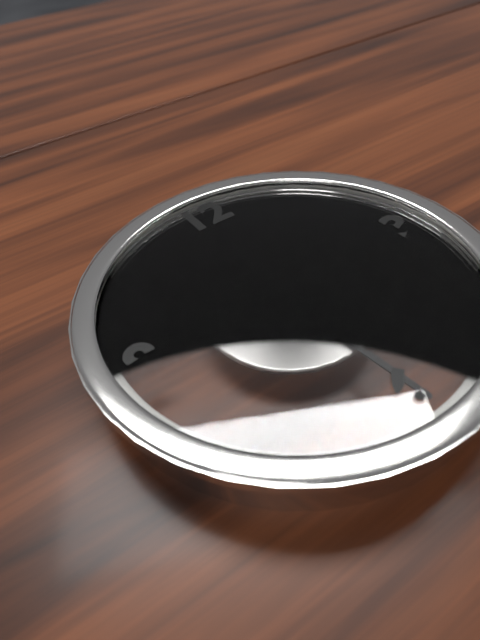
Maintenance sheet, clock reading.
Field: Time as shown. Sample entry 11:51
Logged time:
4:29
